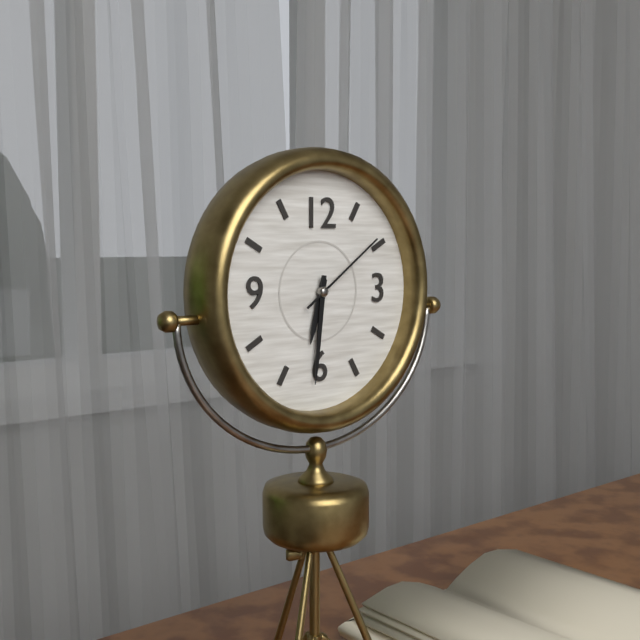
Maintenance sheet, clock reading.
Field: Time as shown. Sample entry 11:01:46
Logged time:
6:31:09
